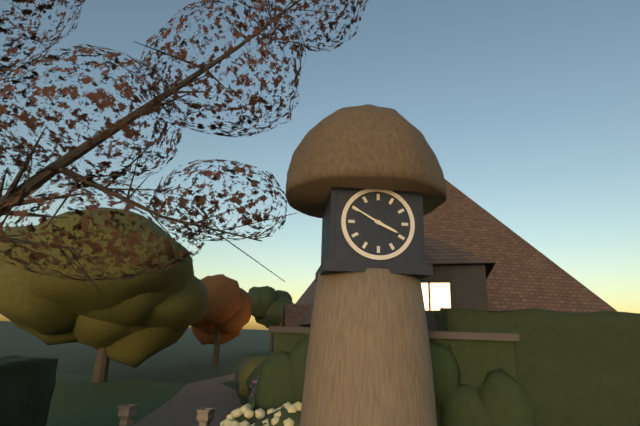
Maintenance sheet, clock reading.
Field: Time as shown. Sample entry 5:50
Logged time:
3:50
